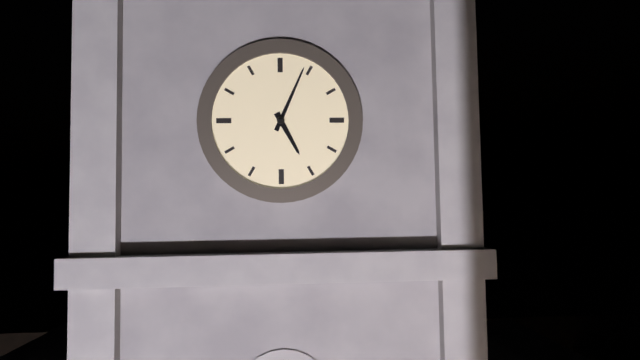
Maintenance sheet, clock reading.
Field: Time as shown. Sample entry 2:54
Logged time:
5:04
